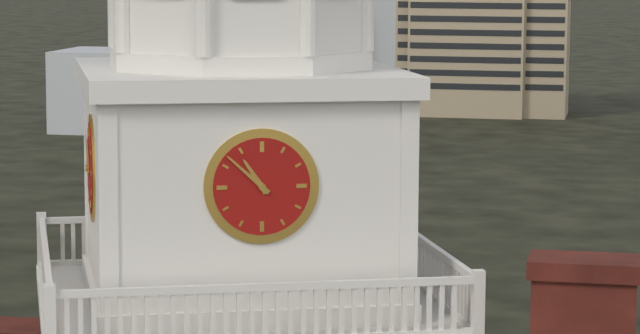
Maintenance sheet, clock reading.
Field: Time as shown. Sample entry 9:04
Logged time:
10:52
